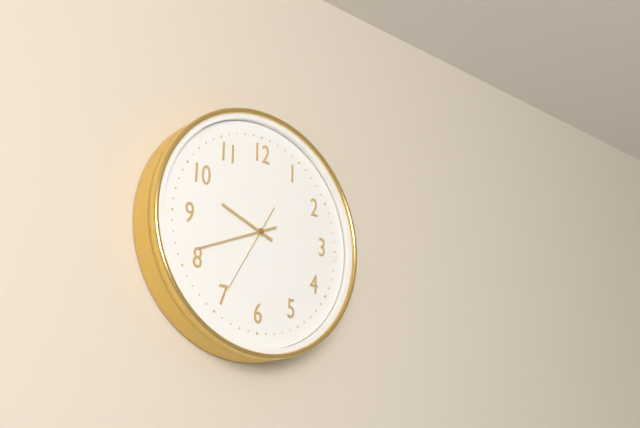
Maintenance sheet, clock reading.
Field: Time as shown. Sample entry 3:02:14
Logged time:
9:41:35
